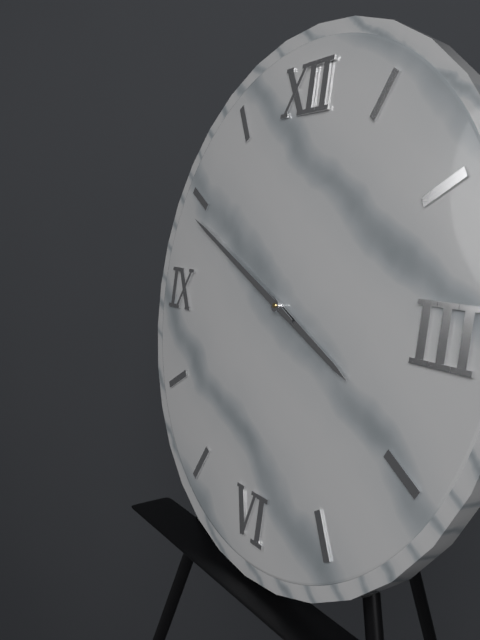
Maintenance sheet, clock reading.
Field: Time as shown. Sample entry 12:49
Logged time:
3:49
